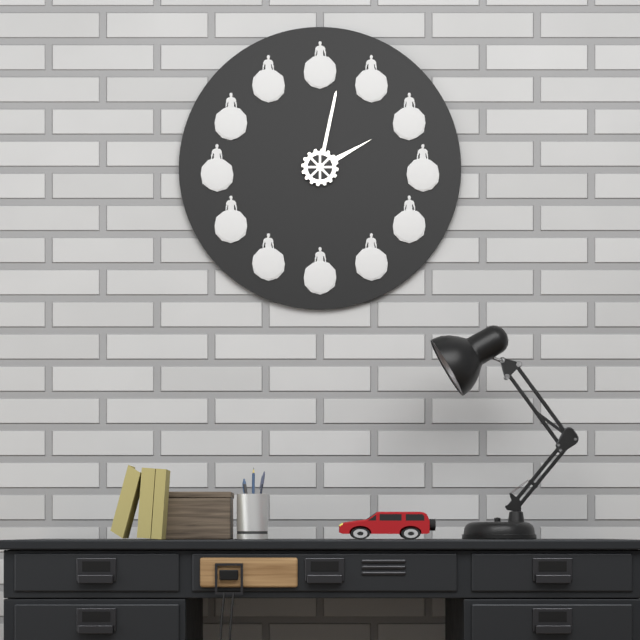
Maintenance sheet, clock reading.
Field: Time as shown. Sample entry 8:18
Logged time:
2:02
